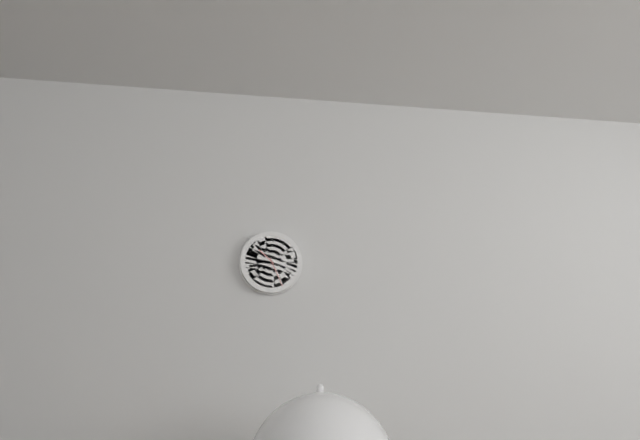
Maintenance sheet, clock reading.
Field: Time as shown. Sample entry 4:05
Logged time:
10:26
